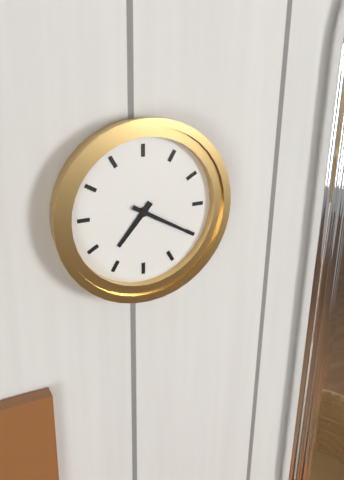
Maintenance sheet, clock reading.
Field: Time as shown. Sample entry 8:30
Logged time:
7:20
